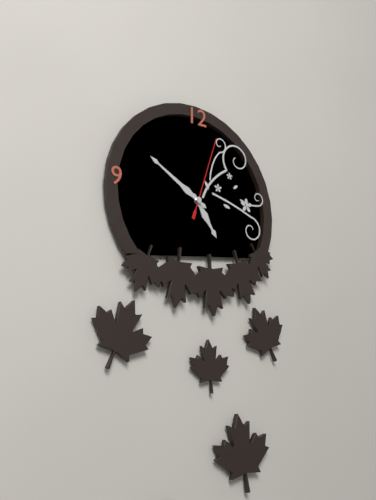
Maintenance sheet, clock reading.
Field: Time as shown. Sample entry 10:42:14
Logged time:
4:50:03
